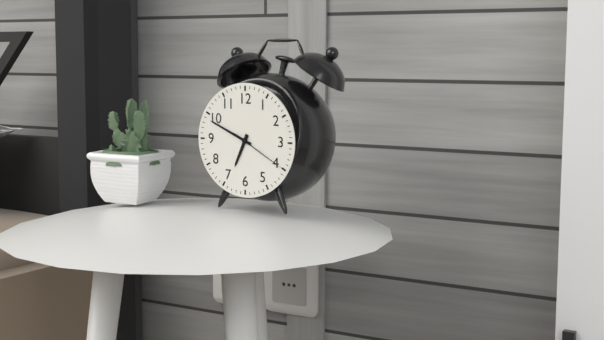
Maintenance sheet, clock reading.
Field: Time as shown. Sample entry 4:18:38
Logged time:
6:49:20
